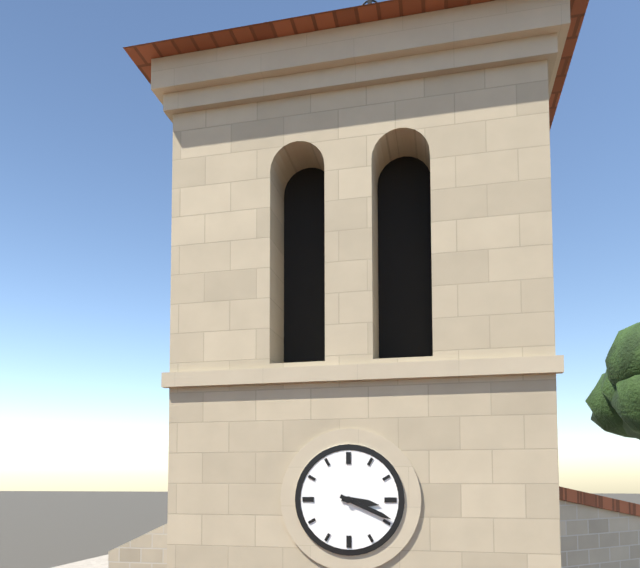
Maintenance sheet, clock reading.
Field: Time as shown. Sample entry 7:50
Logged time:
3:19
